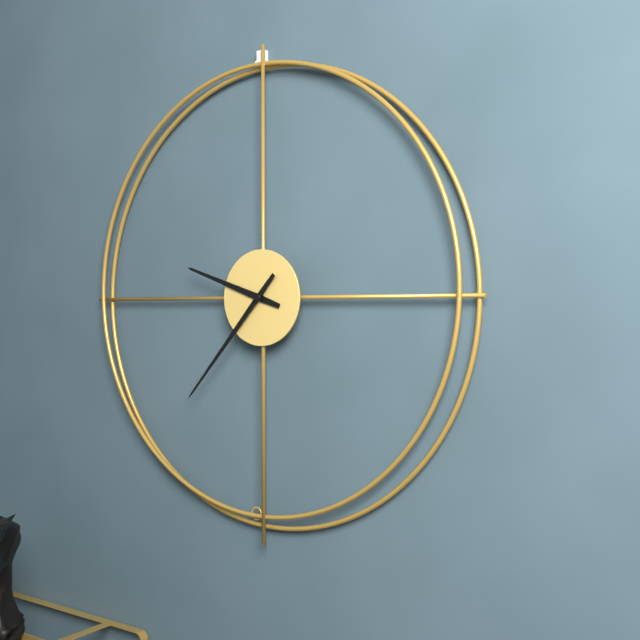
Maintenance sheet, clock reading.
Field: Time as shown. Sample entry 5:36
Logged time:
9:37
